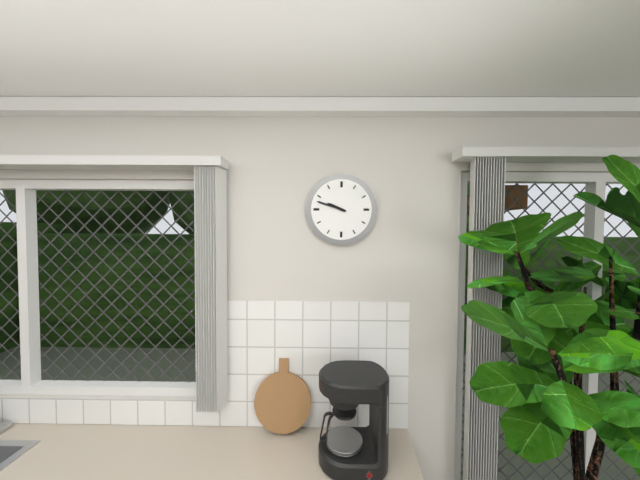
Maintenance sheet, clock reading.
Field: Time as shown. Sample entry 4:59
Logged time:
9:48
